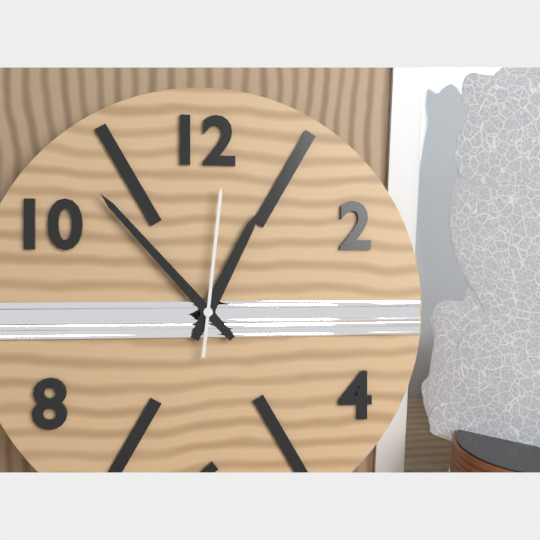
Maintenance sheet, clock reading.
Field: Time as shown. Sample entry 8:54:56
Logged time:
12:53:01
